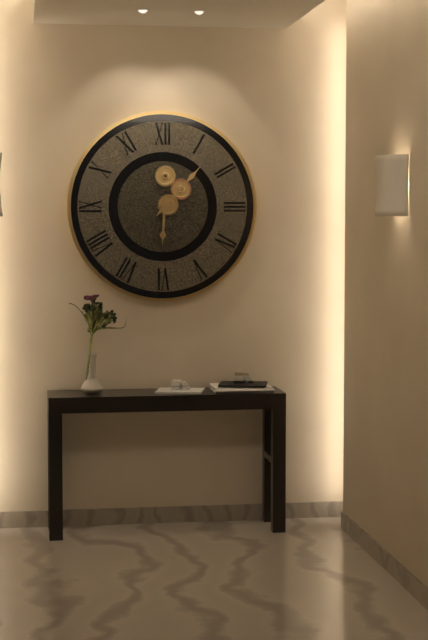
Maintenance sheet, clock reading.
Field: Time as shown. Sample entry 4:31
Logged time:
6:07
